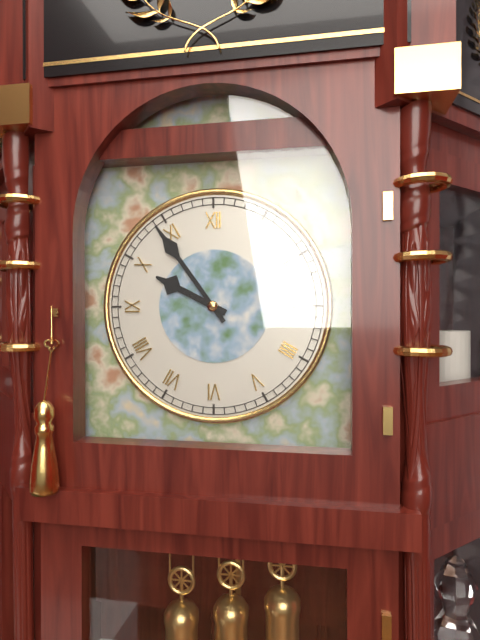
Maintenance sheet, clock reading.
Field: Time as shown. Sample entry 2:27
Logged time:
9:54
